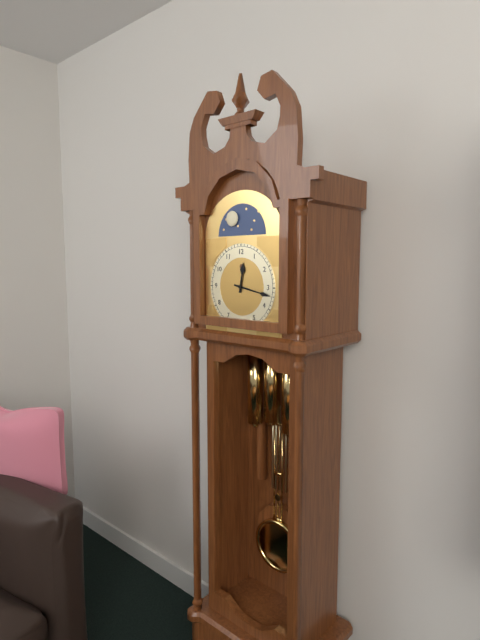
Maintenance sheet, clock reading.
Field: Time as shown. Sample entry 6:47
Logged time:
12:17
